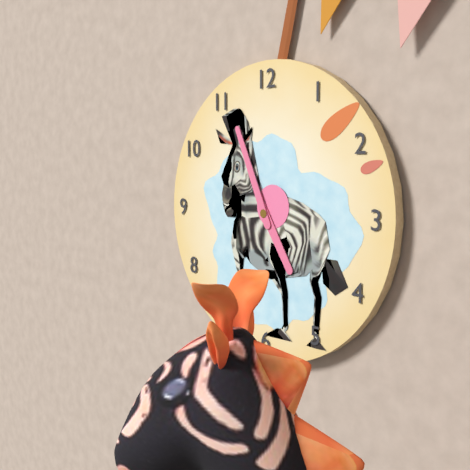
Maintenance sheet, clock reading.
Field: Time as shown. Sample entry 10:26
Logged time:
4:56
